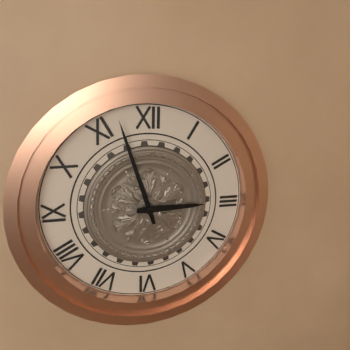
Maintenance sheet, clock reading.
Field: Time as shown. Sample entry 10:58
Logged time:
2:57
